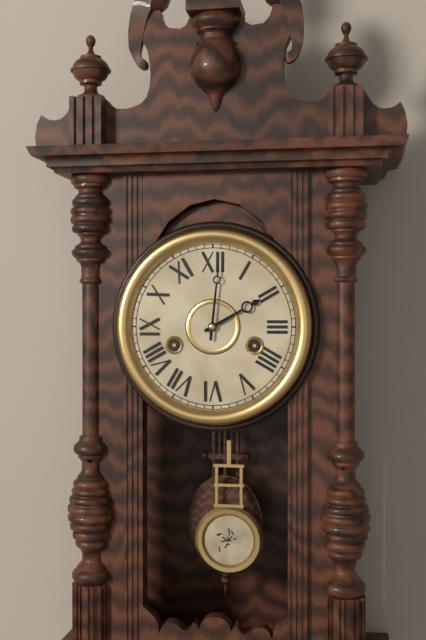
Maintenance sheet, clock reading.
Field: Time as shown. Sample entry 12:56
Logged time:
2:01
